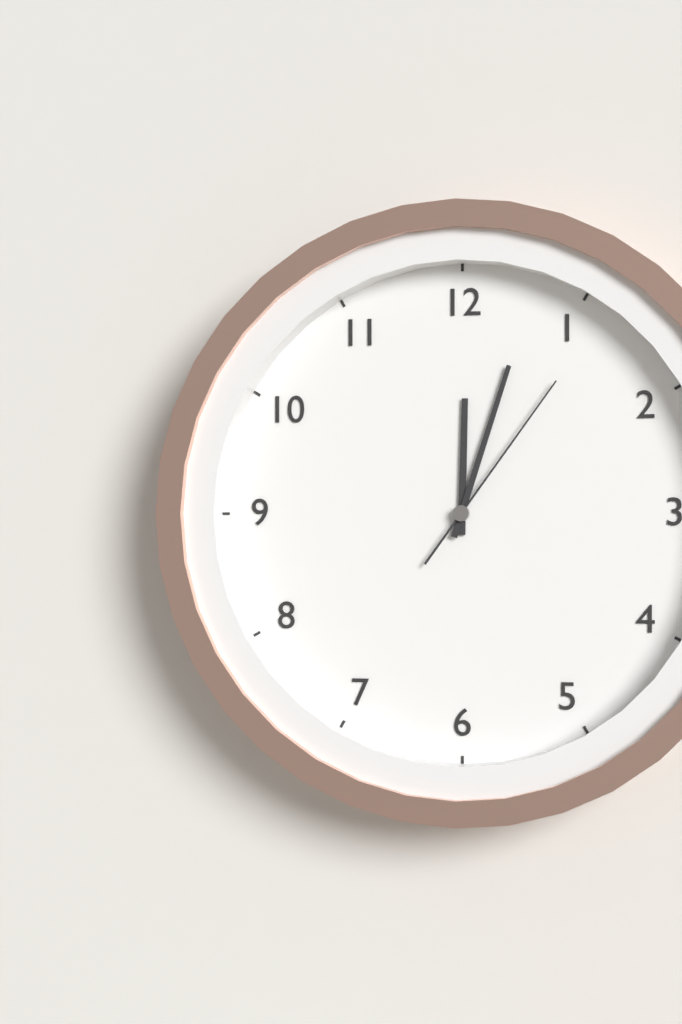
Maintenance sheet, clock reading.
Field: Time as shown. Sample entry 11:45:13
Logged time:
12:03:06
